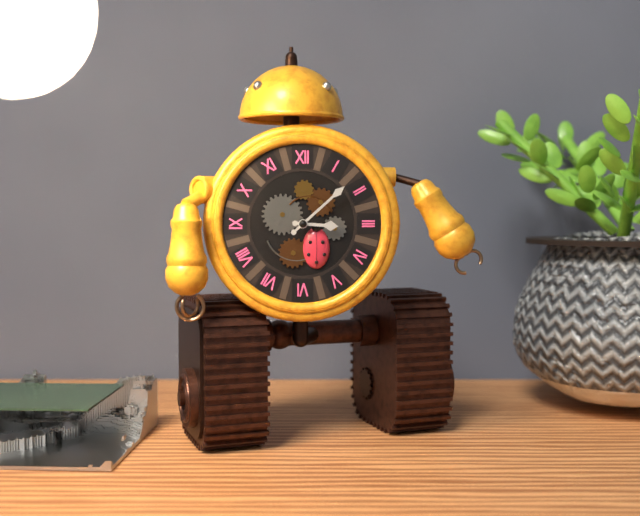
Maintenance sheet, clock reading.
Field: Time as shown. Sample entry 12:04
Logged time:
3:08
